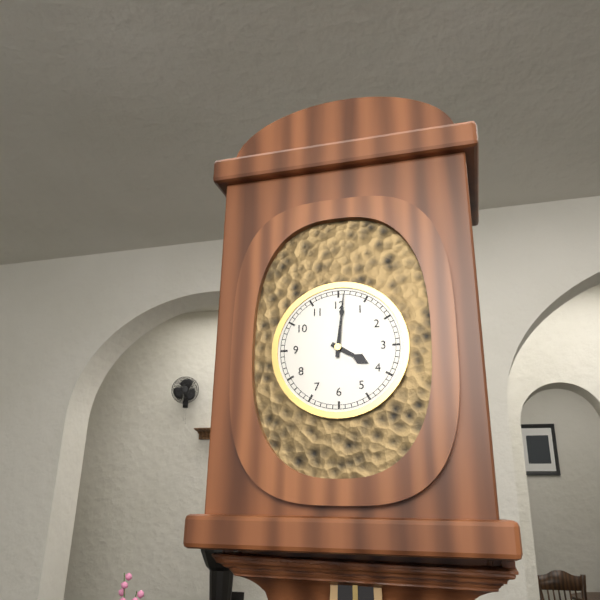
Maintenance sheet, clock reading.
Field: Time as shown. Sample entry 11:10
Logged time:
4:01
